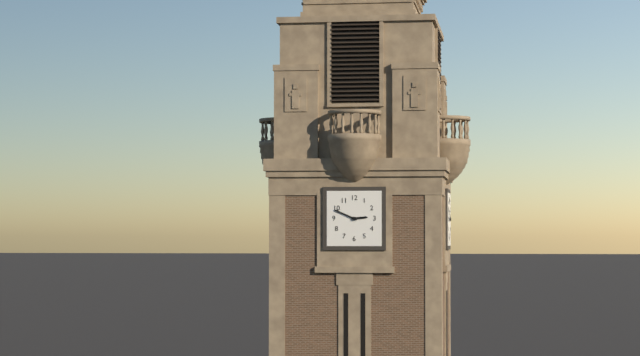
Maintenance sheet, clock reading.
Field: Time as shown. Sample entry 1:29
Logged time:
2:49
